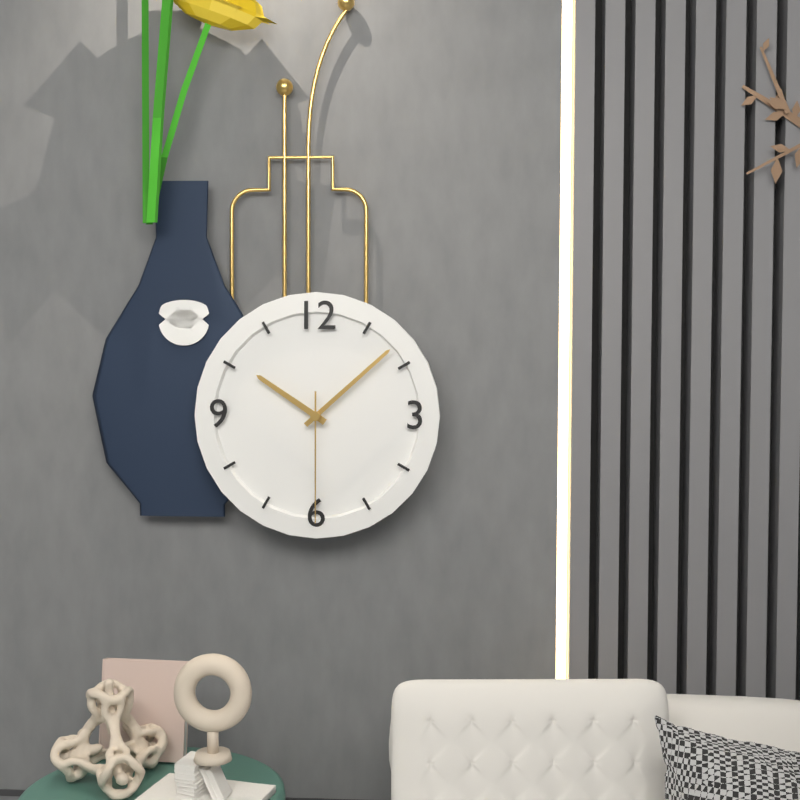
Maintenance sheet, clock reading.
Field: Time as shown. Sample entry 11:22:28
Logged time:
10:08:30
